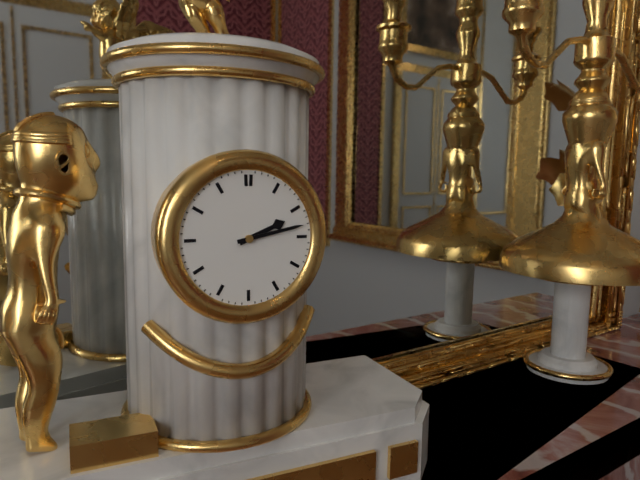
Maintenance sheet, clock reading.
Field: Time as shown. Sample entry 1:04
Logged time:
2:13
